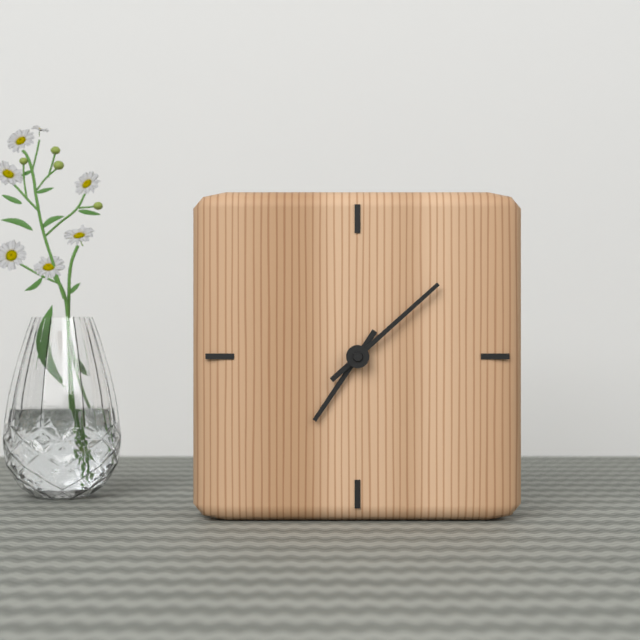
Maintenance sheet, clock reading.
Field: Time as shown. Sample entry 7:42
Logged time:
7:08
